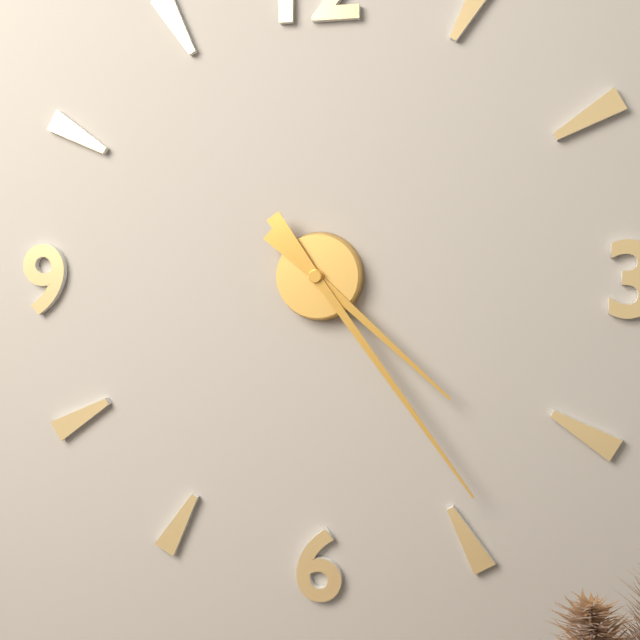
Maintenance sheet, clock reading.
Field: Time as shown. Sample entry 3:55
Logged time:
4:24
